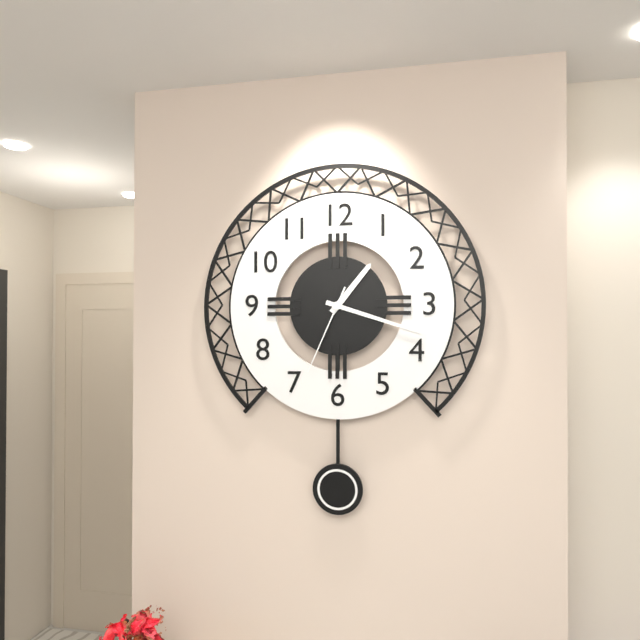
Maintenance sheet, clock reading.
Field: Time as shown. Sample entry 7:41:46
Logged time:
1:18:34
